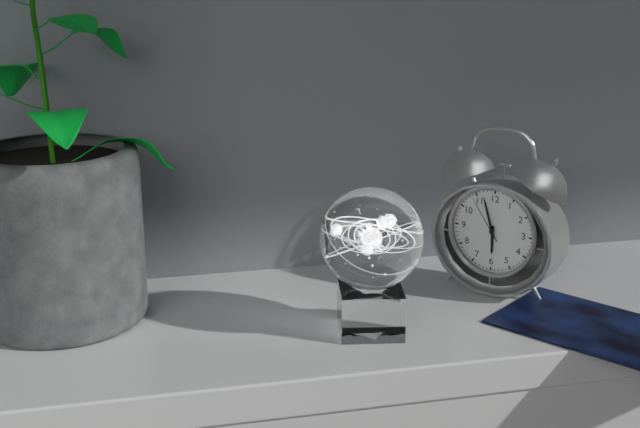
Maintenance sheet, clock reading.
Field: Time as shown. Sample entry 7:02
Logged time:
5:57
